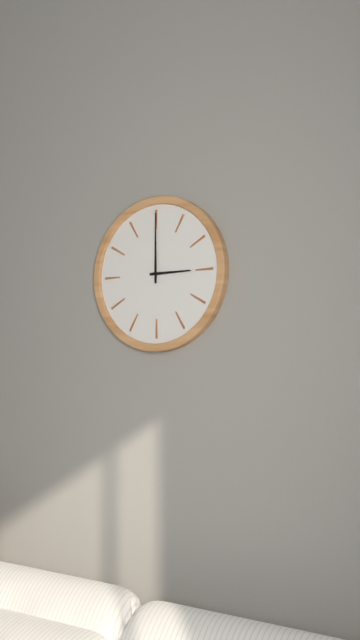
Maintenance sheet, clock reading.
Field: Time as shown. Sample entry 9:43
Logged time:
3:00
